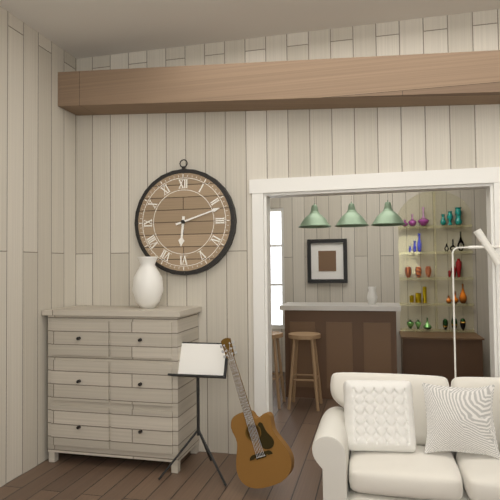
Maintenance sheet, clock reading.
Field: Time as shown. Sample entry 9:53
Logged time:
6:12
